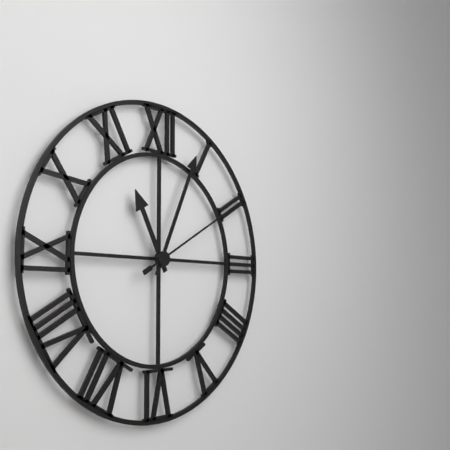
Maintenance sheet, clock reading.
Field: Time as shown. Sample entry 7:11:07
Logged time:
11:04:10
